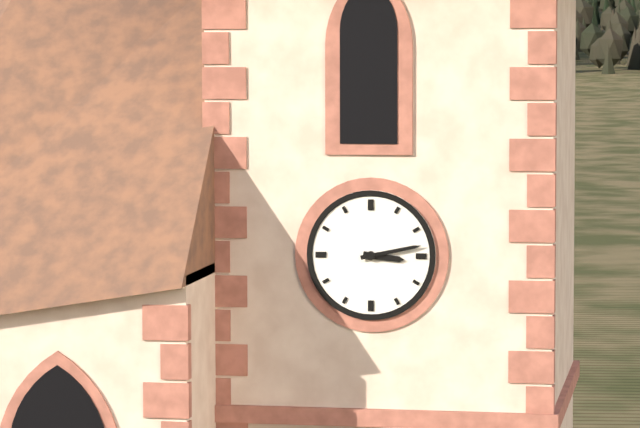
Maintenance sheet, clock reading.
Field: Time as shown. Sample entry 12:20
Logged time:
3:13
